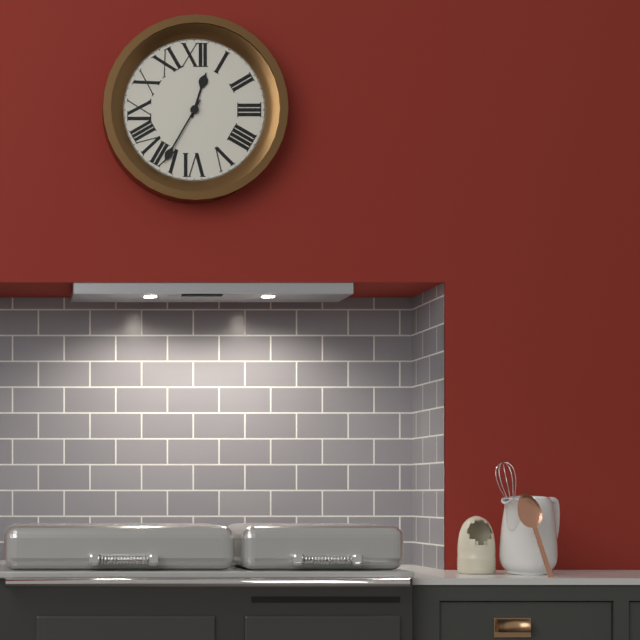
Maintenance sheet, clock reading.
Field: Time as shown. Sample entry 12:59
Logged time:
12:35
